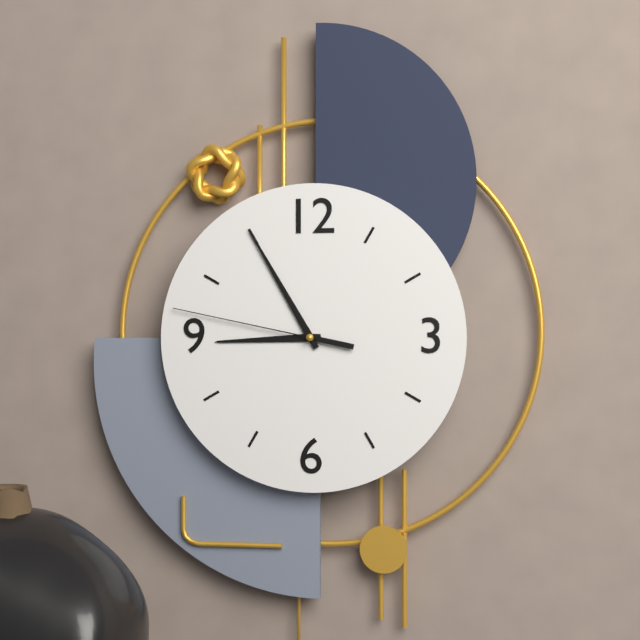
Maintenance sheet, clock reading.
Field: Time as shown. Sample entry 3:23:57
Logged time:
8:55:47
